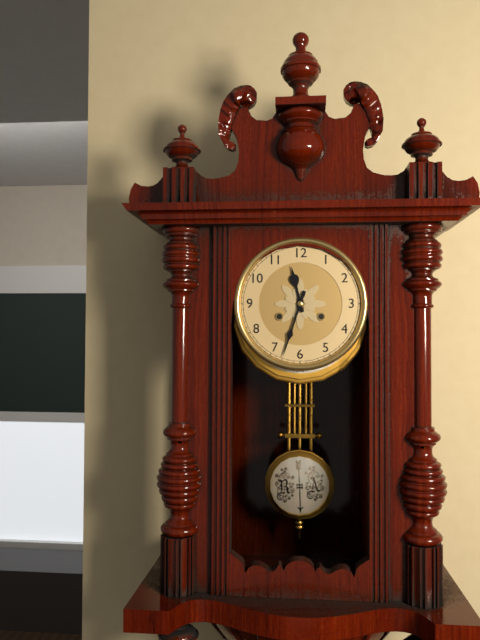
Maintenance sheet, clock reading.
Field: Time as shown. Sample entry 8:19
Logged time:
11:33
